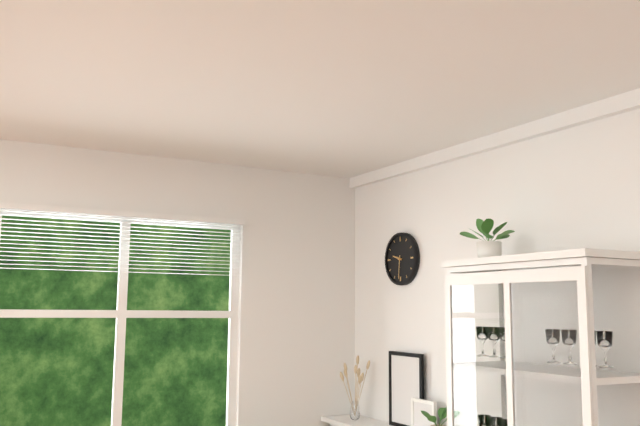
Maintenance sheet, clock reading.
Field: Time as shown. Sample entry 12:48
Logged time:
9:31
